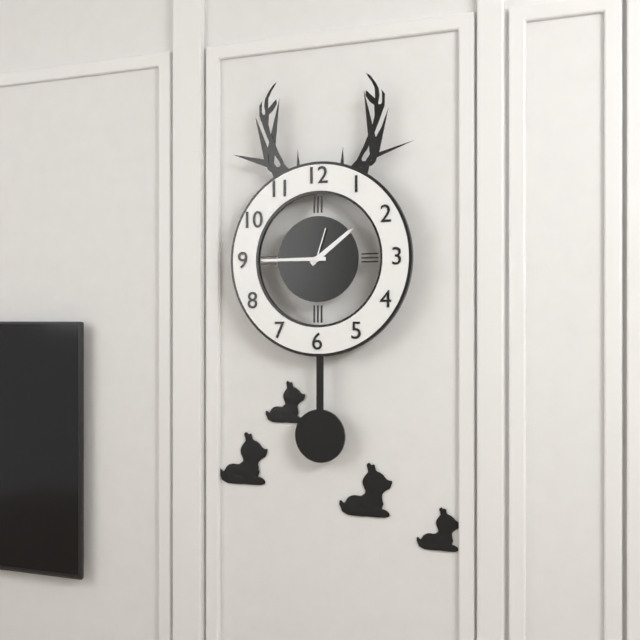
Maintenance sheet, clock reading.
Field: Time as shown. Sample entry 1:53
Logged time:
1:45
